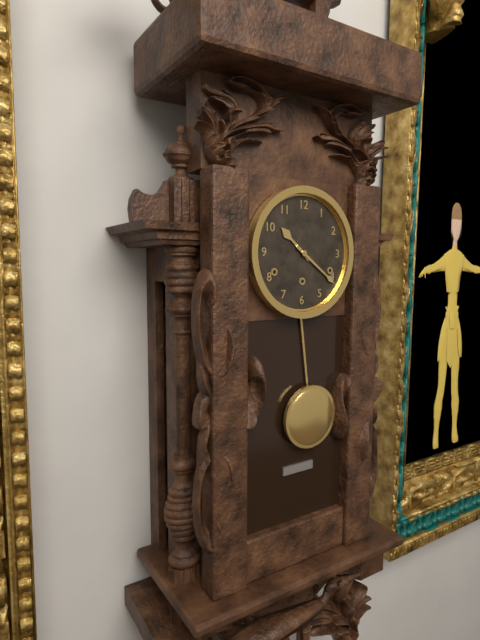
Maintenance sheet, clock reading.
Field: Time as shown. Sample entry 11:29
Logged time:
10:21
